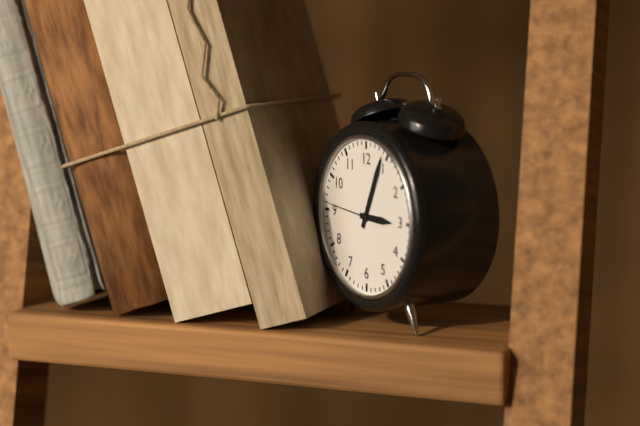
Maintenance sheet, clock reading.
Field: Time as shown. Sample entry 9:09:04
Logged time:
3:04:46
